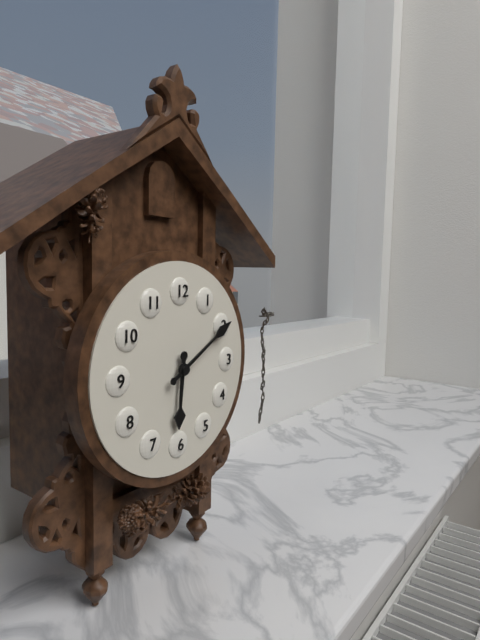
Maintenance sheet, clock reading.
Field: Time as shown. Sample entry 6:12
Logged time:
6:10
